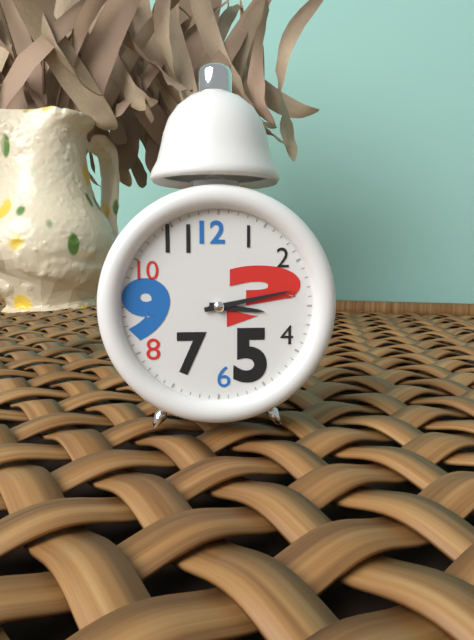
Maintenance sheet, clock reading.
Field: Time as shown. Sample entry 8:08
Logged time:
3:13
